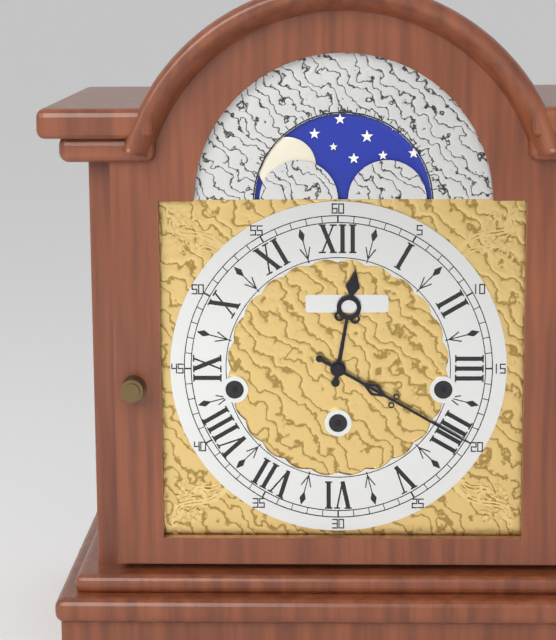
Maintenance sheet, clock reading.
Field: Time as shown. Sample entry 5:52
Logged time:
12:20
